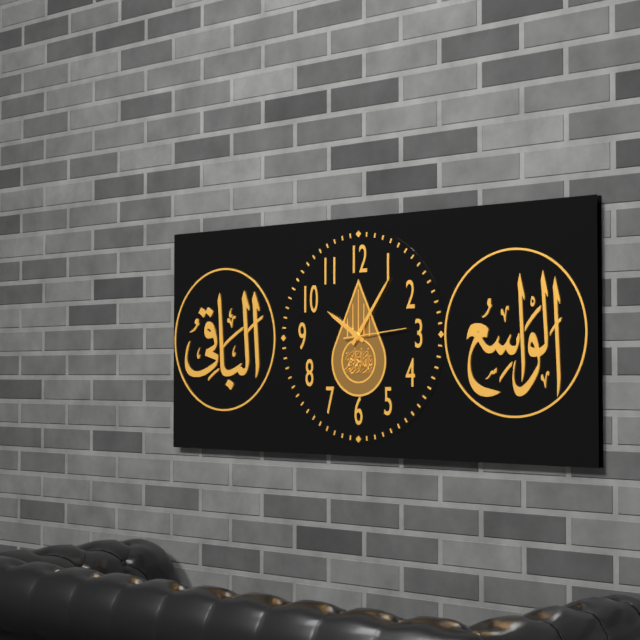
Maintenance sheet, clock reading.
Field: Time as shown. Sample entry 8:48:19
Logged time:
10:06:14
